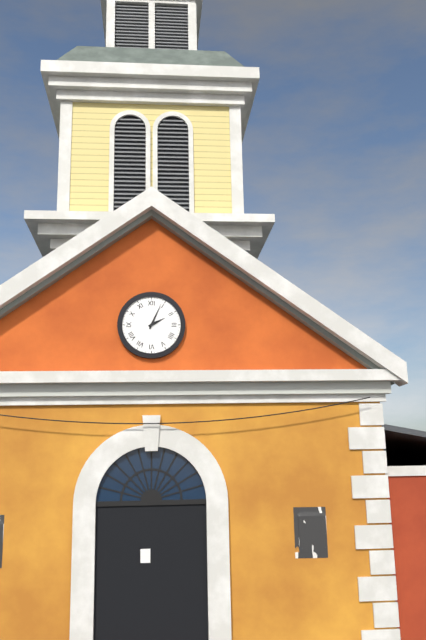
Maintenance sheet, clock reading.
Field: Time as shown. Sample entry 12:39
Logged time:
2:04
